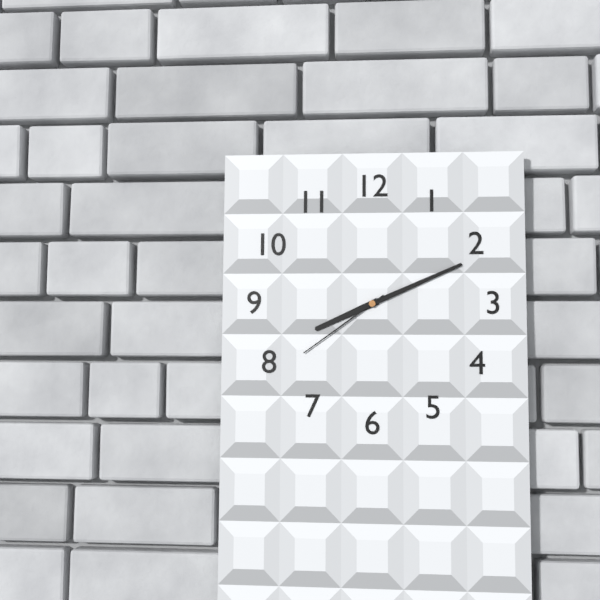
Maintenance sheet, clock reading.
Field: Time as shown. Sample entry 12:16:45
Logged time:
8:11:39
